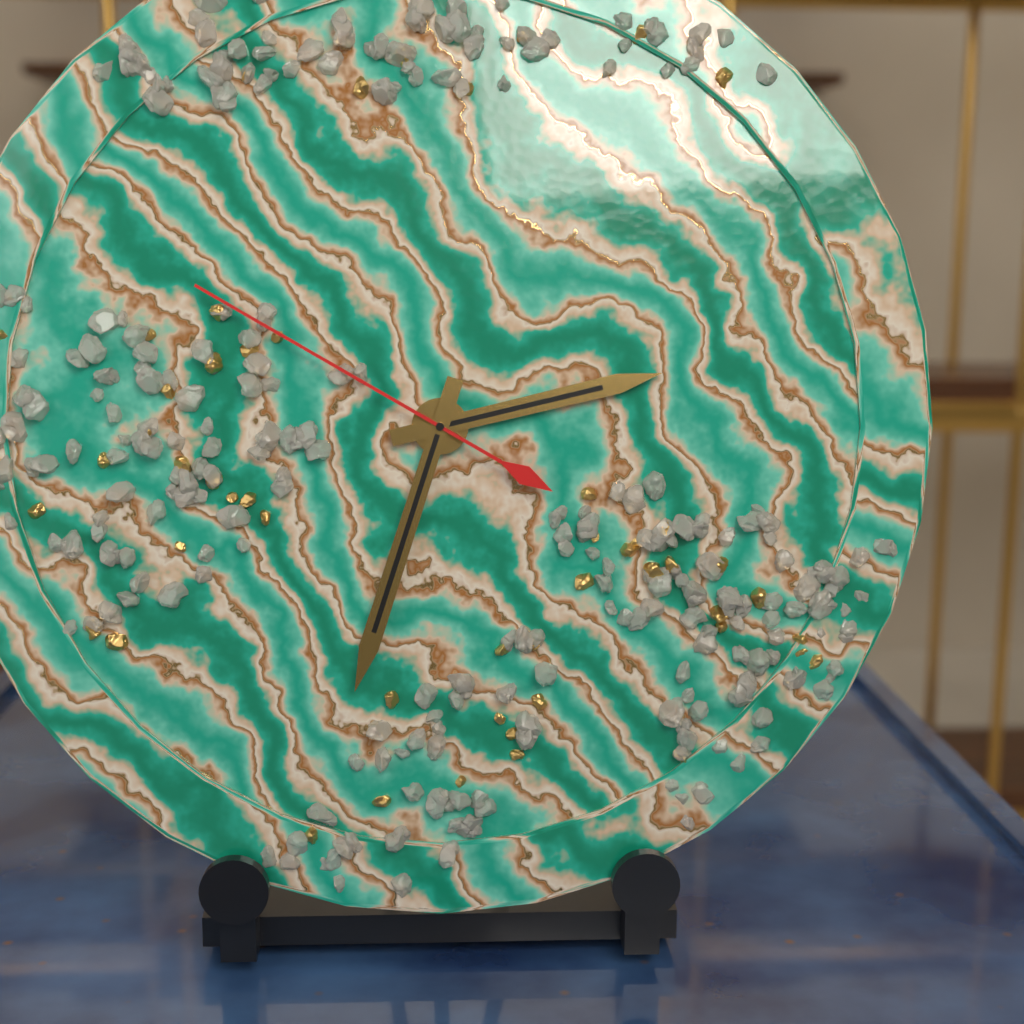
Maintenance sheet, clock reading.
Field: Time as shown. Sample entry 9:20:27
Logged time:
2:33:50
